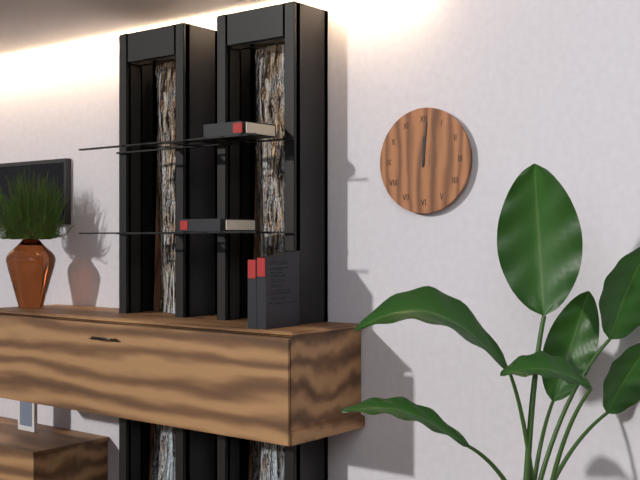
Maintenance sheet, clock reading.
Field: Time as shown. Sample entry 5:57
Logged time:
12:01
